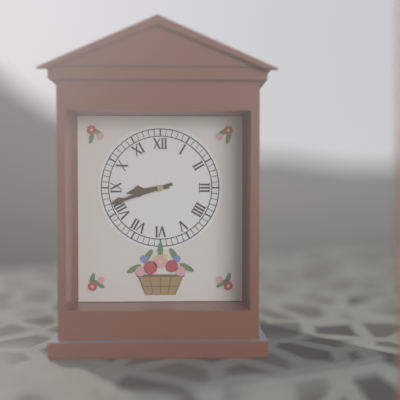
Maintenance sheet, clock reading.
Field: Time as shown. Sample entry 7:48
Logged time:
8:42
